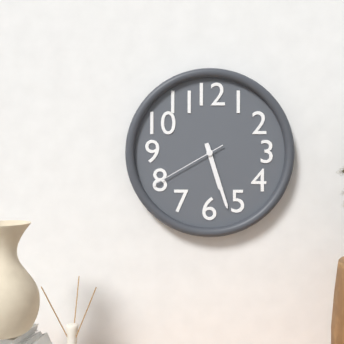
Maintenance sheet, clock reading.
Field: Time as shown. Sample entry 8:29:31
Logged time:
5:27:40
